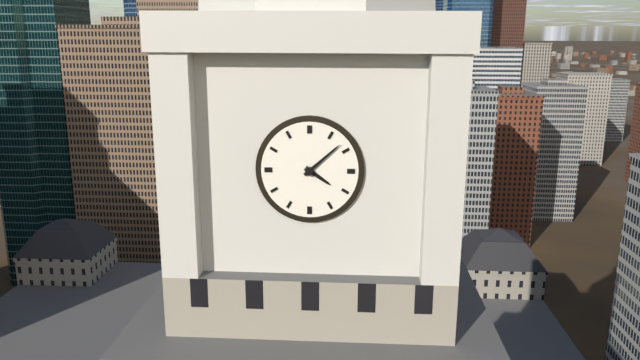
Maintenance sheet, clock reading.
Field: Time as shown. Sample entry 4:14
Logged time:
4:08
